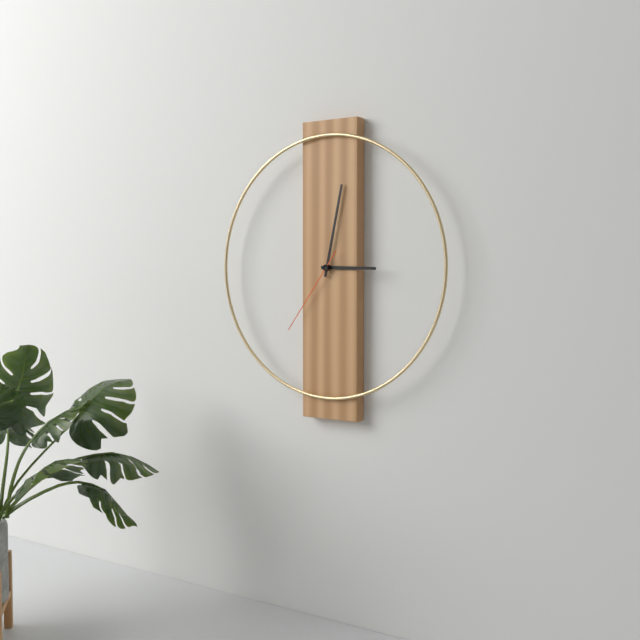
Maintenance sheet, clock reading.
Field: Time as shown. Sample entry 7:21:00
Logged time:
3:02:36
